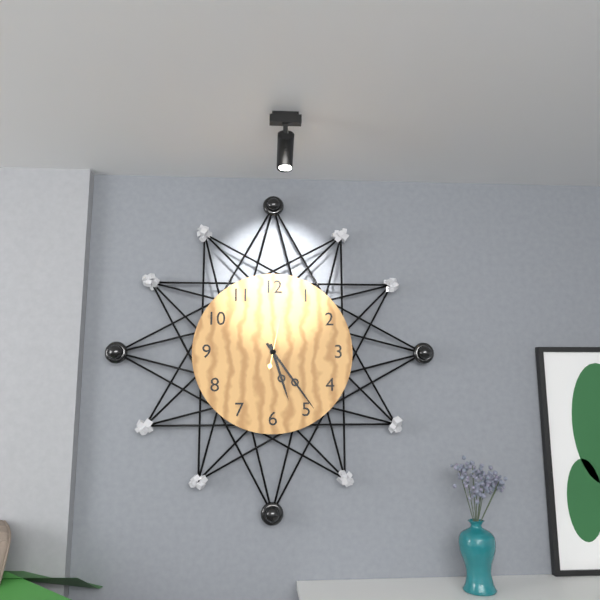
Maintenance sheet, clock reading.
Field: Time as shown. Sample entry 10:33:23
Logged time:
5:24:02
